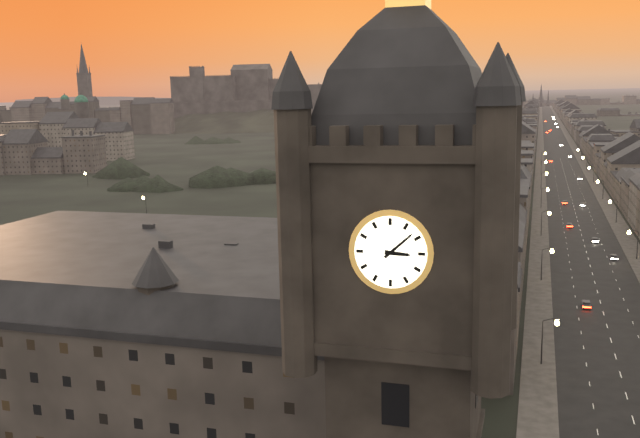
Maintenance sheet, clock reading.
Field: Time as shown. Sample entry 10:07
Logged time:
3:08
